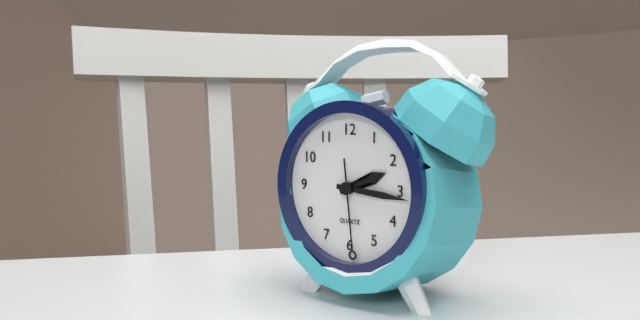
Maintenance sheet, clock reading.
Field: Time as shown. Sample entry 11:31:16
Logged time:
2:16:29
